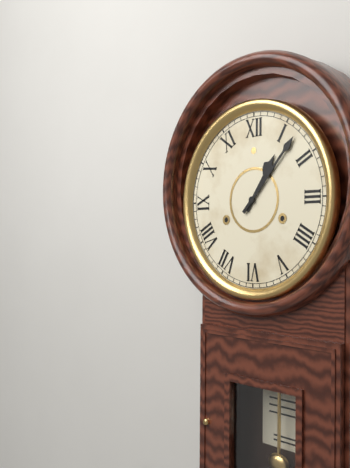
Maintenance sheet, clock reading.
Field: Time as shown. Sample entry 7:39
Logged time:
1:07
